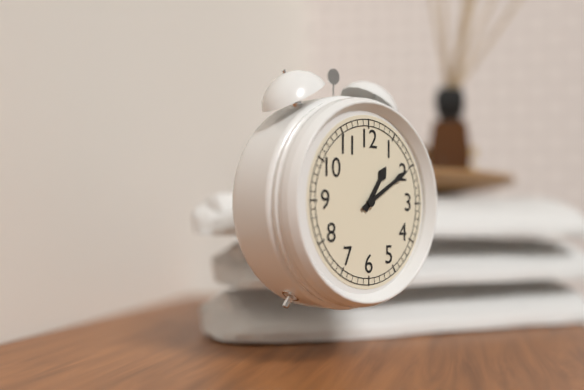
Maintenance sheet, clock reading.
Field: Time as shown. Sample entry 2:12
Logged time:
1:10
